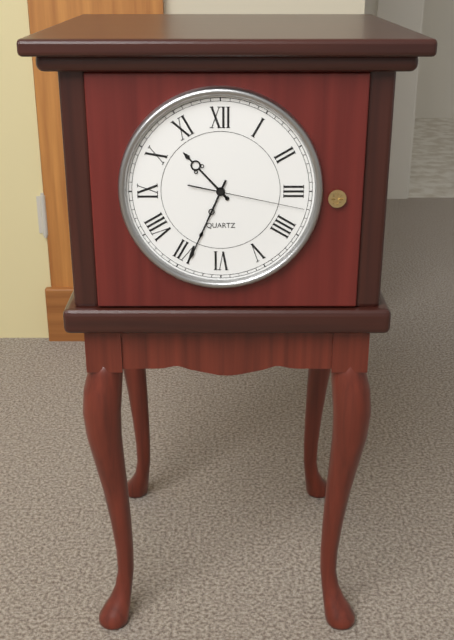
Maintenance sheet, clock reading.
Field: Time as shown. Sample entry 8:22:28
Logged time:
10:34:17
